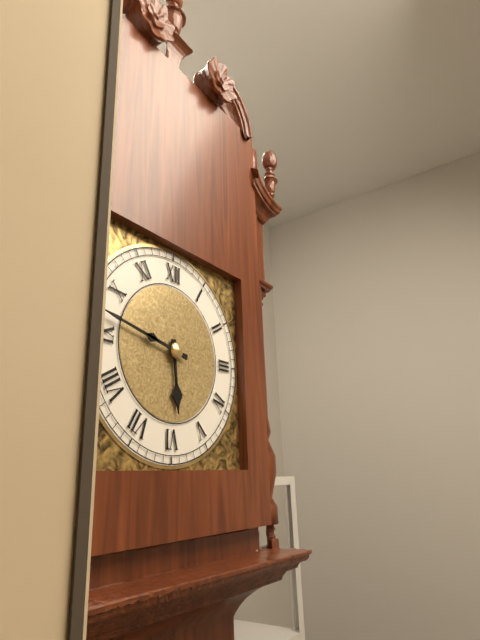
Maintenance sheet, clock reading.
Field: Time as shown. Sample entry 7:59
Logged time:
5:47
